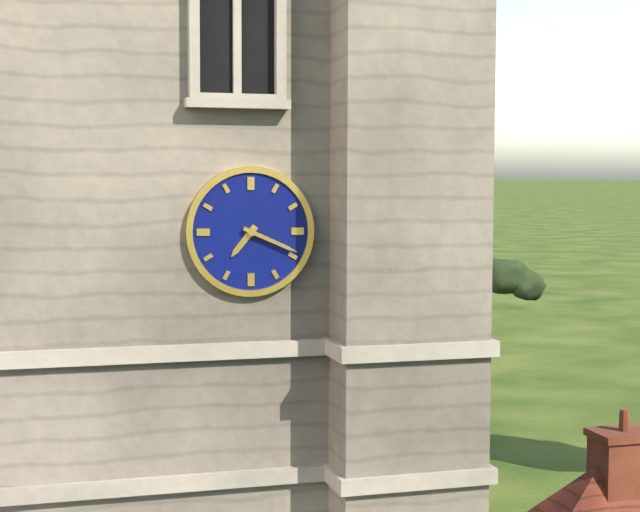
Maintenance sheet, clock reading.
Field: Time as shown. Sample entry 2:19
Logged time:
7:19
